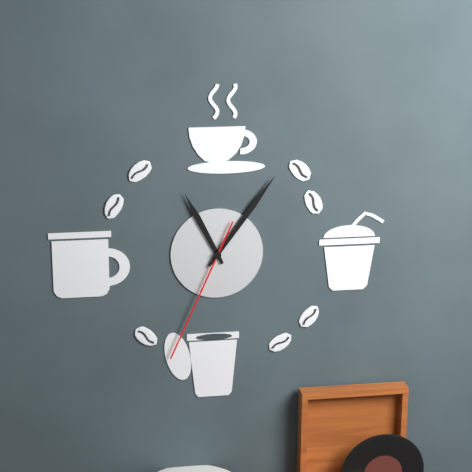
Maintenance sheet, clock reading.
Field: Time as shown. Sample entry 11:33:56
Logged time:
11:06:34
